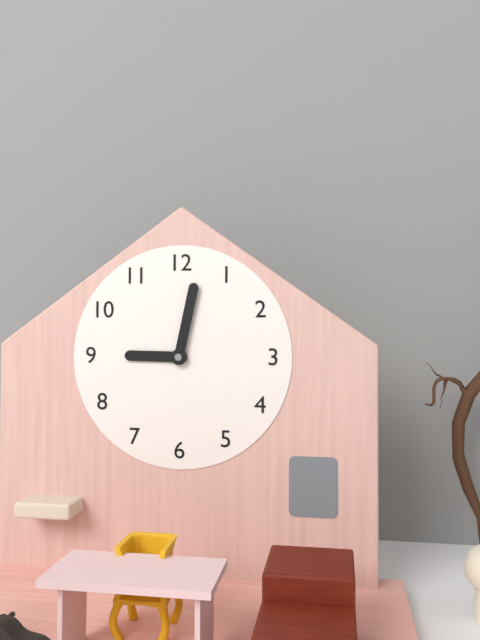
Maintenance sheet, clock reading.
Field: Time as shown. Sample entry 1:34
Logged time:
9:02
